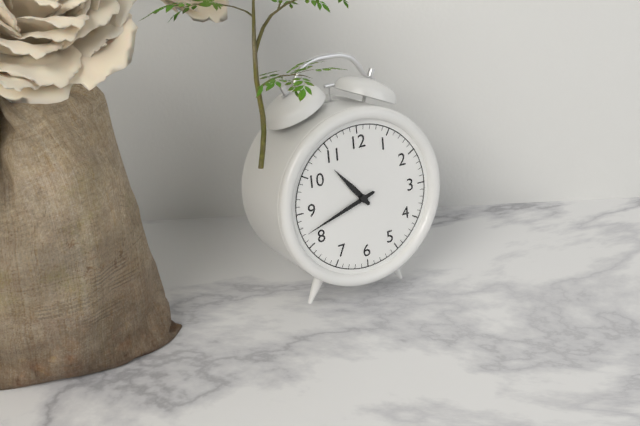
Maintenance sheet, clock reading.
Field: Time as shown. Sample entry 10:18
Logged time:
10:42
